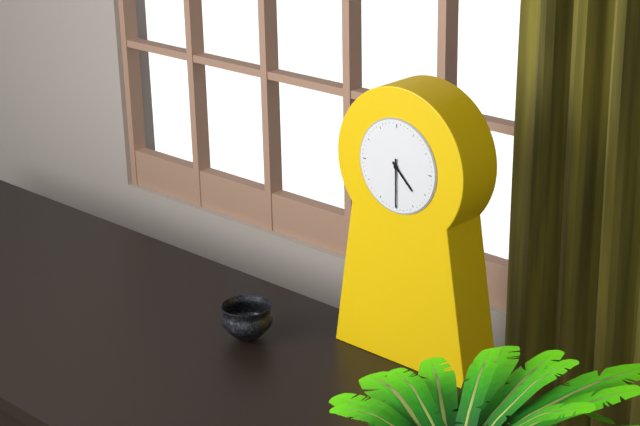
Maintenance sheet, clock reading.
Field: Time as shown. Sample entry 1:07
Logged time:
4:30
